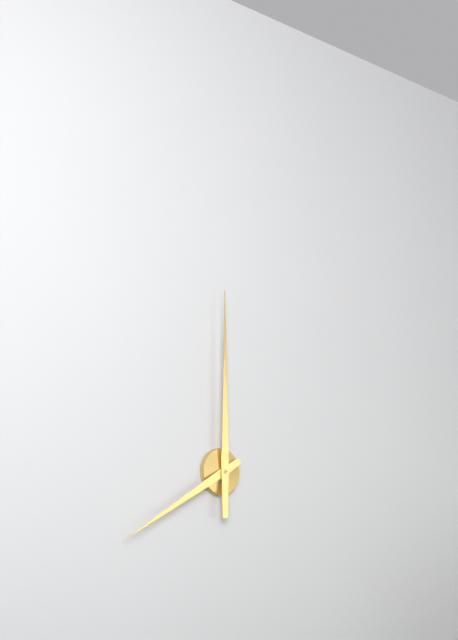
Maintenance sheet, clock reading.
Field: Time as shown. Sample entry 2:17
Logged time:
8:00
